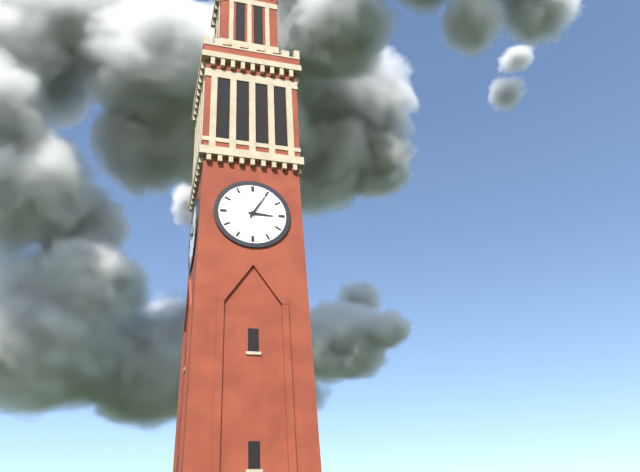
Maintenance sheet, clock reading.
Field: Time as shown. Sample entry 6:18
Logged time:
3:05
